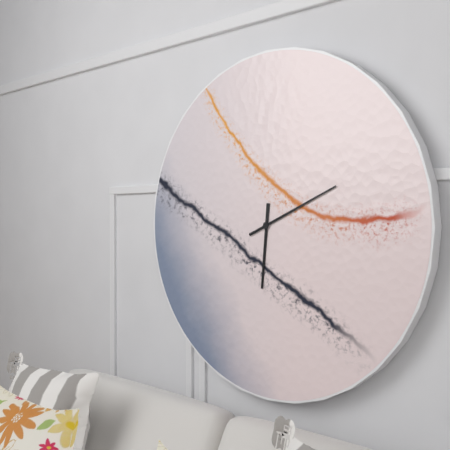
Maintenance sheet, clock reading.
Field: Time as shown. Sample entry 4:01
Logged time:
6:11
